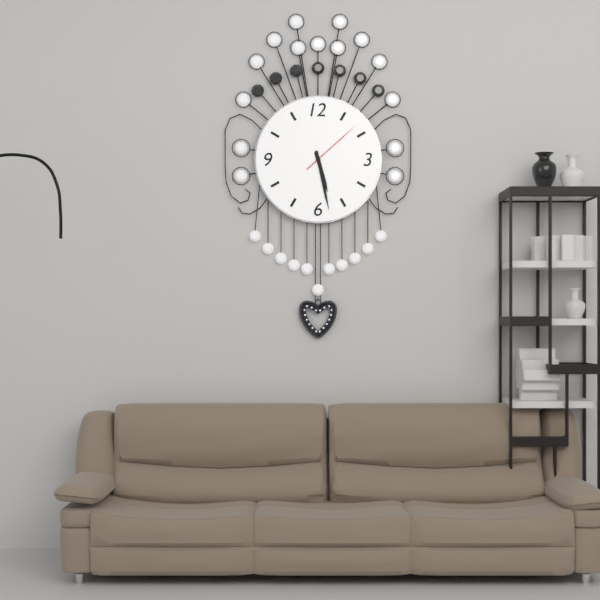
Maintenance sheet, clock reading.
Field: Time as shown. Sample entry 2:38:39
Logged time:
5:28:08
